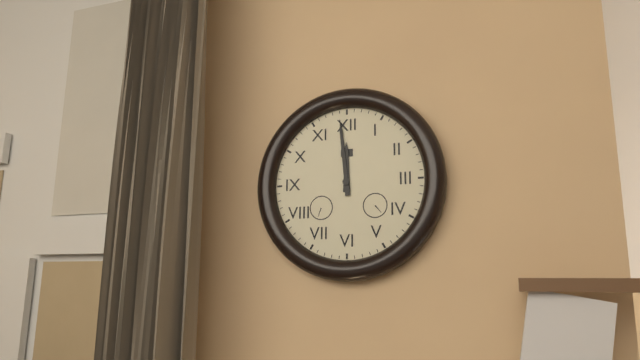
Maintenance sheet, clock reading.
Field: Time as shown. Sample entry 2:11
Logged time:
11:59
